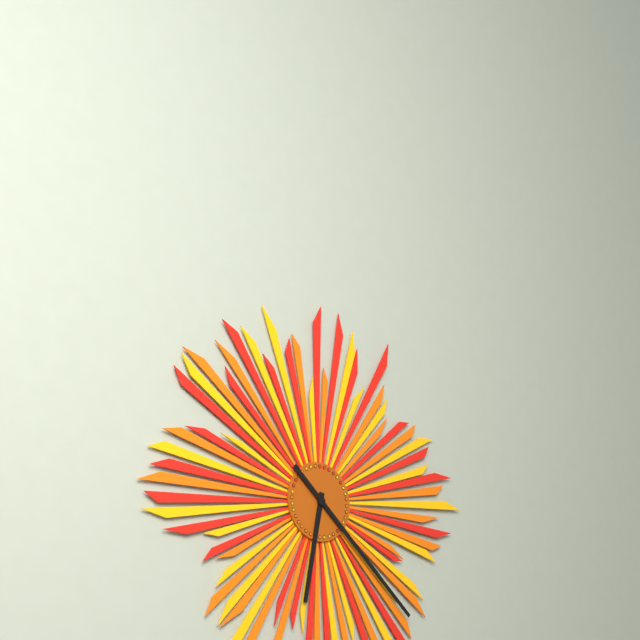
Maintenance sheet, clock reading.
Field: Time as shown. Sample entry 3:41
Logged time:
6:22
